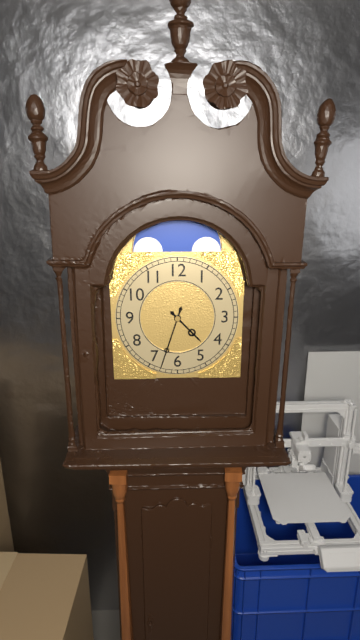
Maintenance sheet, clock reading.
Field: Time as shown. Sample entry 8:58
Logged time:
4:33
